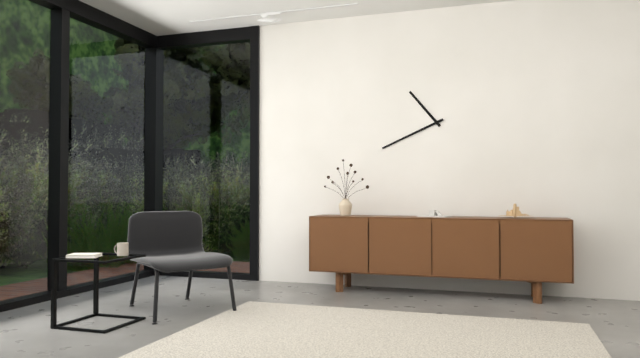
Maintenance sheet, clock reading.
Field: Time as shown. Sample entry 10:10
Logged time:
10:41
